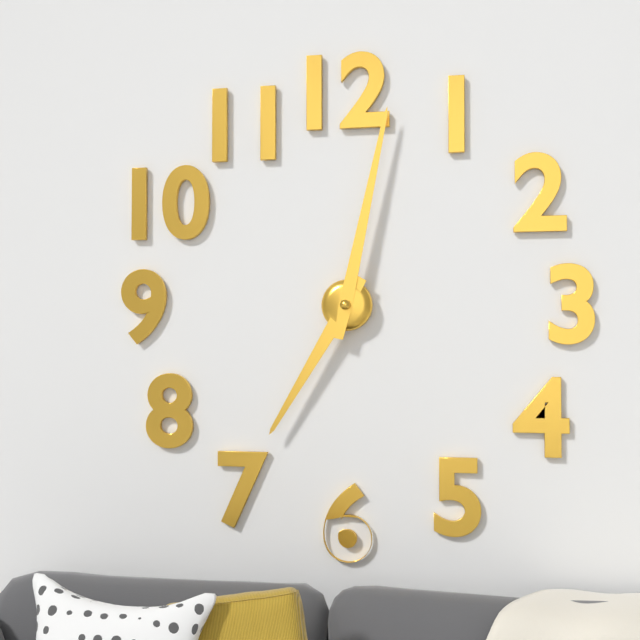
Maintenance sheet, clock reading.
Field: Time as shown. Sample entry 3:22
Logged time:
7:02
